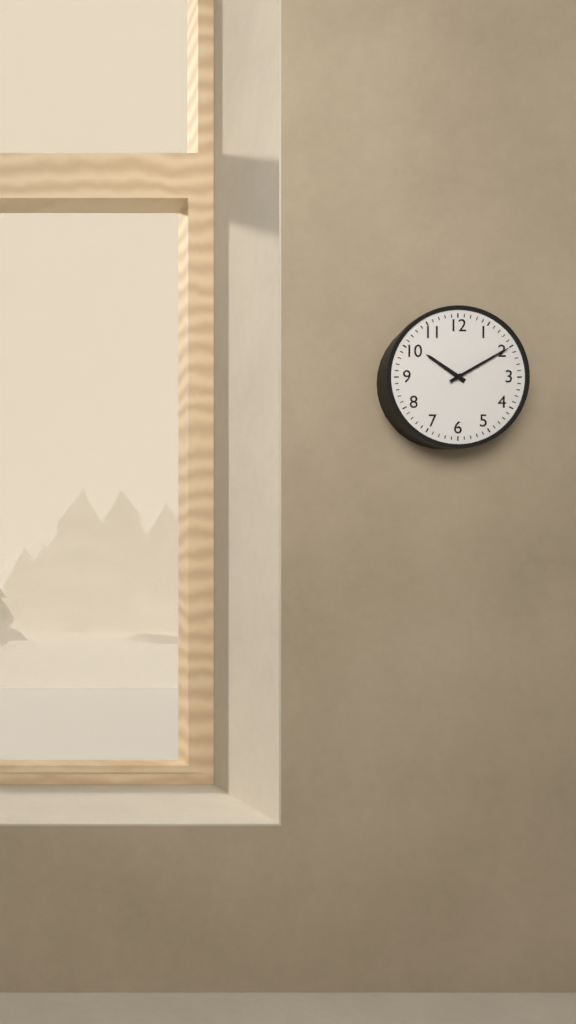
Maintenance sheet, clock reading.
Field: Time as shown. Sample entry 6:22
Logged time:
10:10
